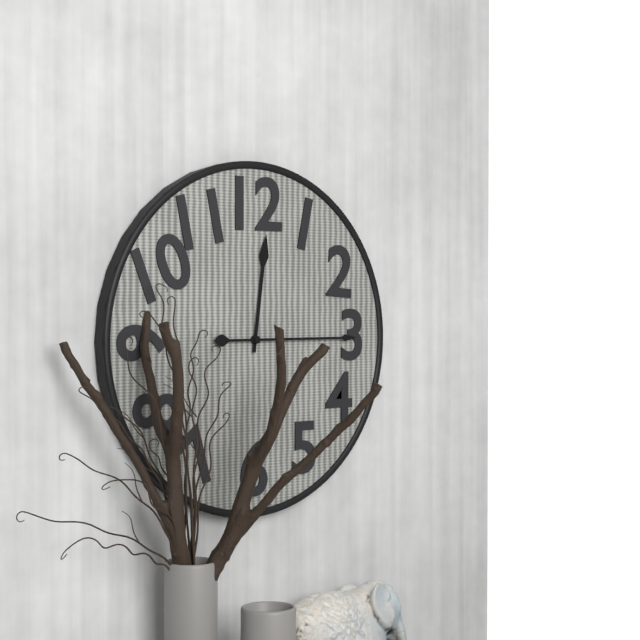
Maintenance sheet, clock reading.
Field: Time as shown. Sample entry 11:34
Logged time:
12:15
